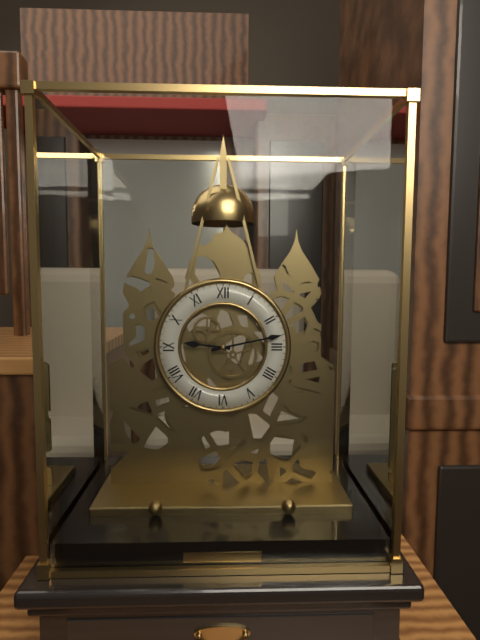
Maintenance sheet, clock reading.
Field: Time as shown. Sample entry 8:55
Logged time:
9:13
